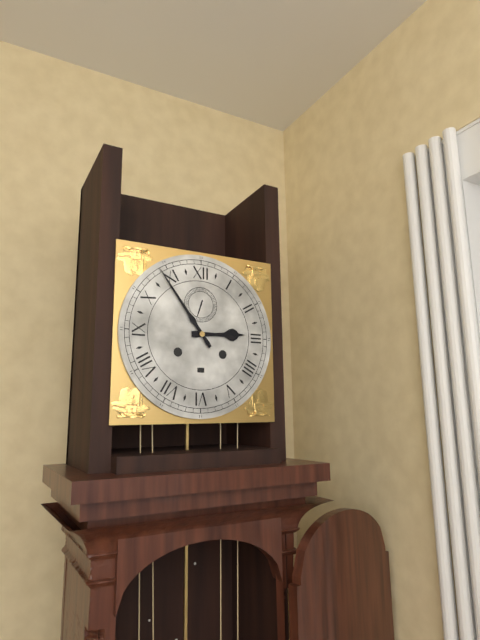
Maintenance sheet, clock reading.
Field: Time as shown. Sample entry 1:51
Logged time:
2:54
